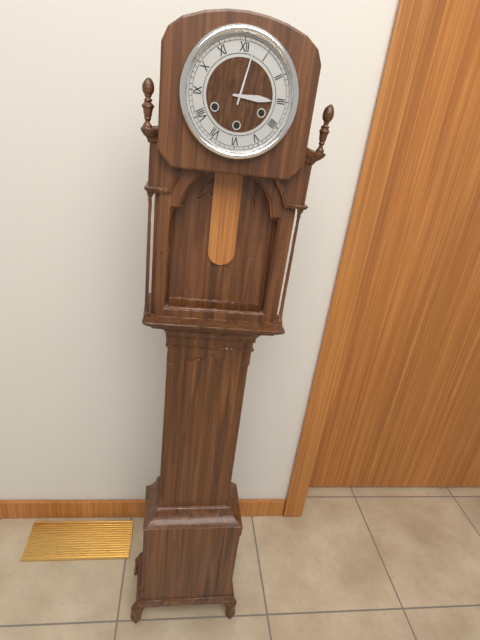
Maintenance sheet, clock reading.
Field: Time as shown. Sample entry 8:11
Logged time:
3:02
